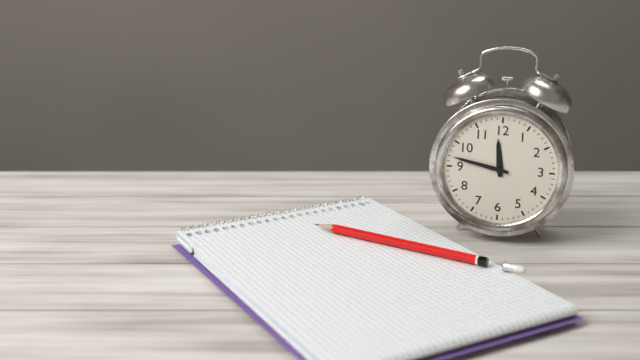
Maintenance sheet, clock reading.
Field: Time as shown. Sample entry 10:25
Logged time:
11:47
